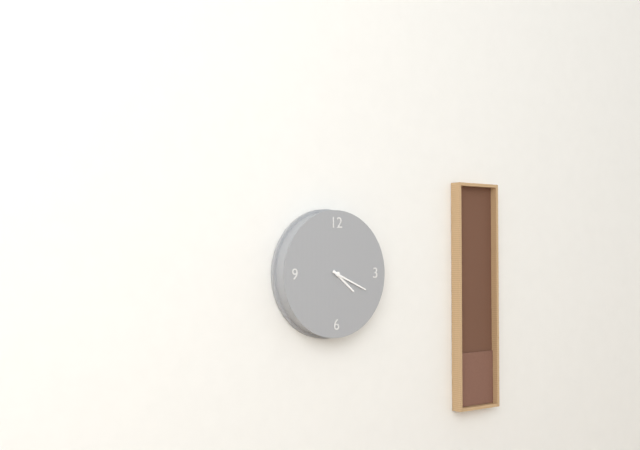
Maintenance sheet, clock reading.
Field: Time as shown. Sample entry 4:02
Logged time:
4:19
